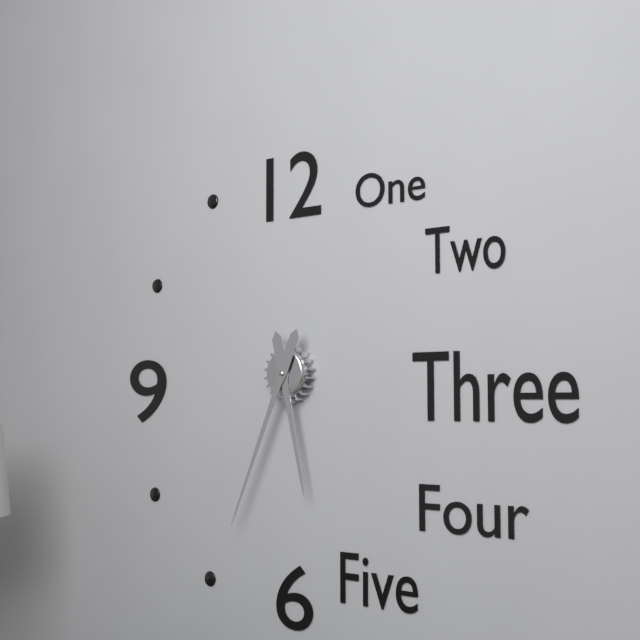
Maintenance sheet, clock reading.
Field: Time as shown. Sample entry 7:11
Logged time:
5:34
